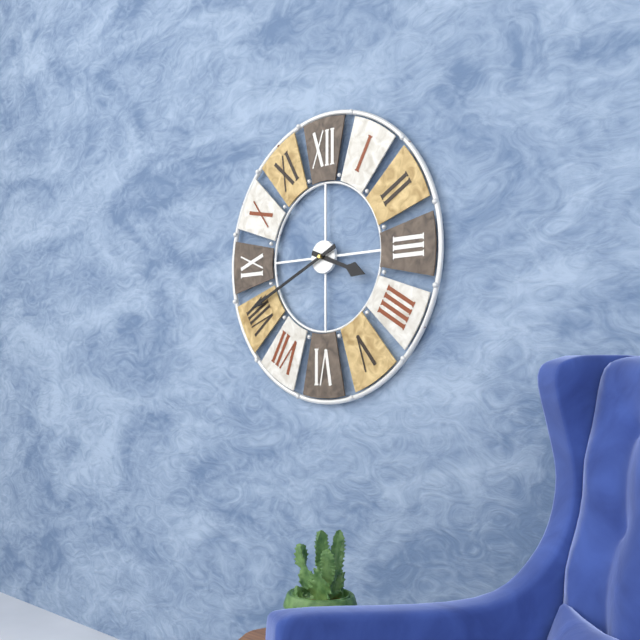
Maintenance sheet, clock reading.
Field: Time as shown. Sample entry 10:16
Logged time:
3:41
